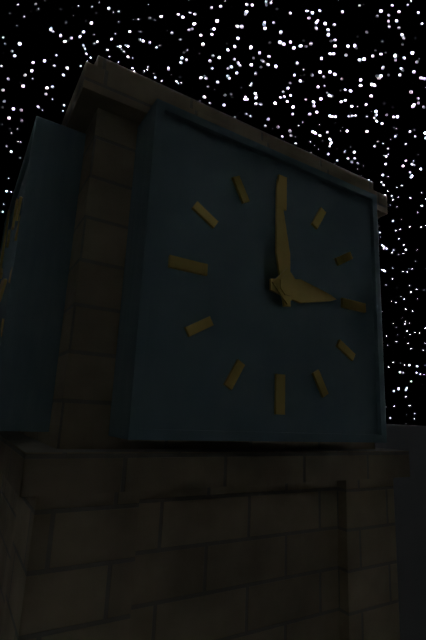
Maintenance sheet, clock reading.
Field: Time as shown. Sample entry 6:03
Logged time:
2:59
